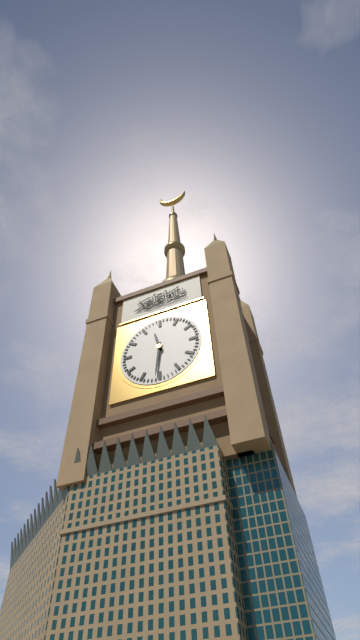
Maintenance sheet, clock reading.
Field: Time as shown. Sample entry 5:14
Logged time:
11:31
